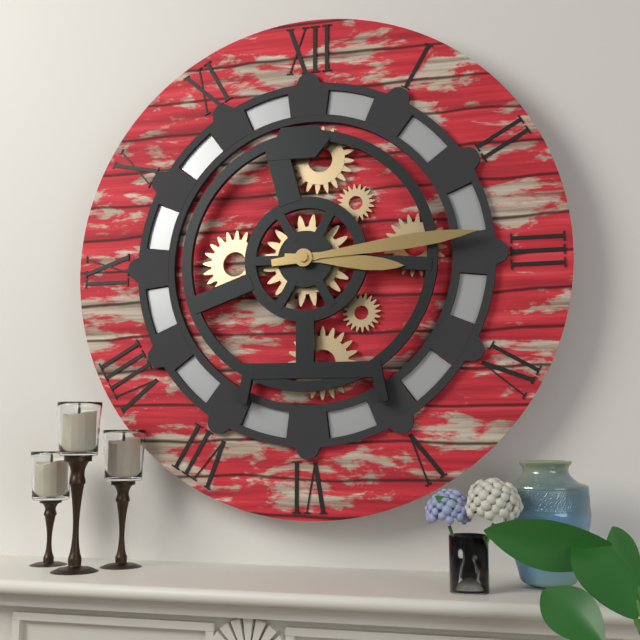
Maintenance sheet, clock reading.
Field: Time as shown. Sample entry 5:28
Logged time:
3:14
